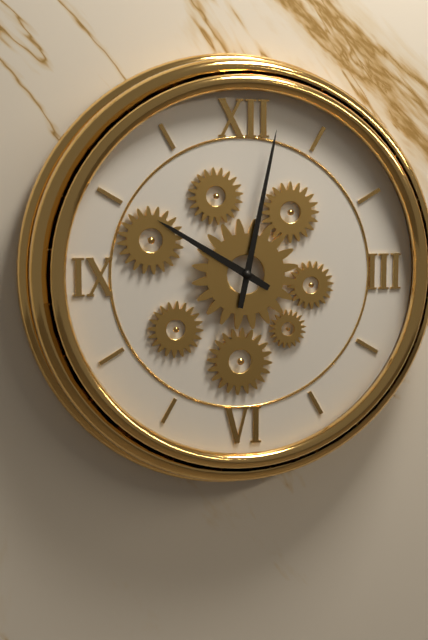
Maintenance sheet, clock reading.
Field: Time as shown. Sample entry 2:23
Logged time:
10:02
